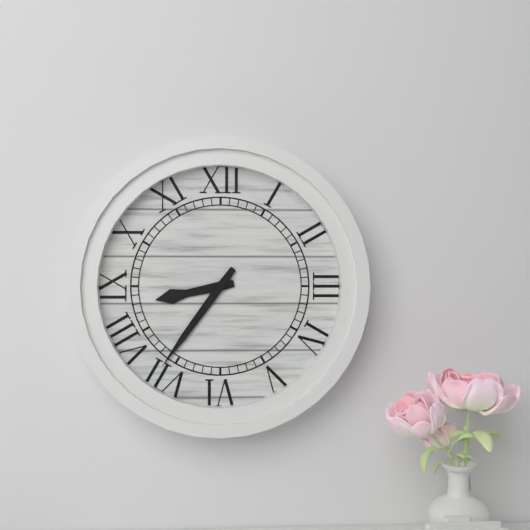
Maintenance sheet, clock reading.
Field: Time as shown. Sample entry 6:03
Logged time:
8:36
